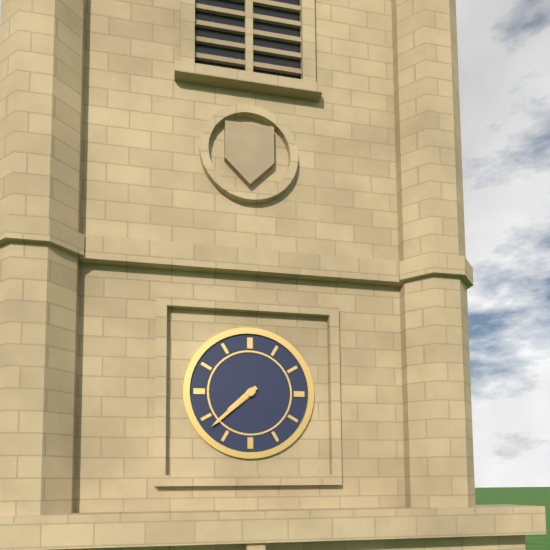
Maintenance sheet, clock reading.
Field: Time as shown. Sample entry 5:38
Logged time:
7:38
